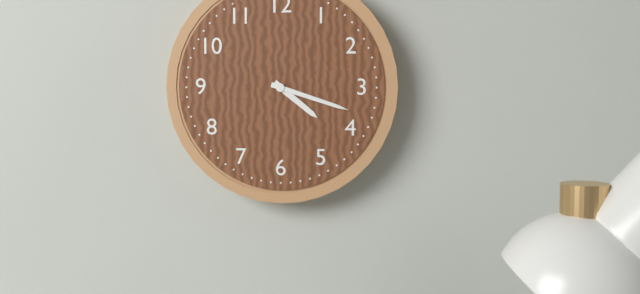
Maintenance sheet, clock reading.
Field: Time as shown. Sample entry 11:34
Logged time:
4:18
